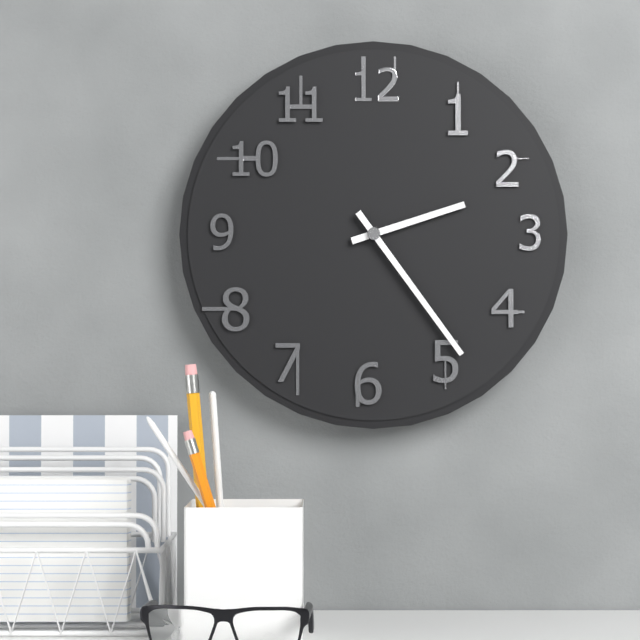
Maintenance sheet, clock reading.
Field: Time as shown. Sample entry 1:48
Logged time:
2:24
